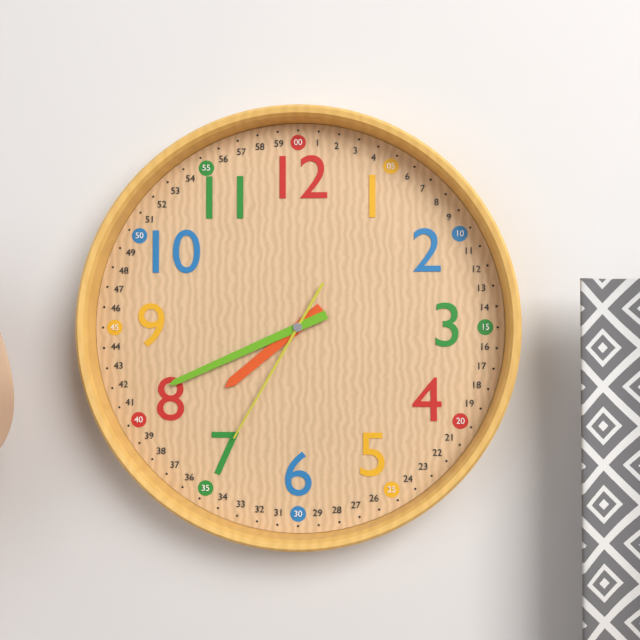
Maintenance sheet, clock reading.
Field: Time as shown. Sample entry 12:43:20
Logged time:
7:41:35
